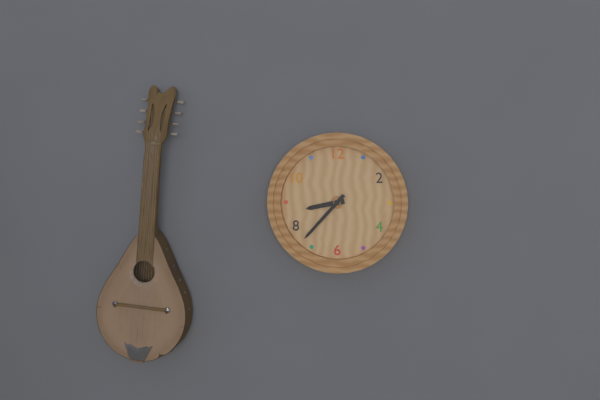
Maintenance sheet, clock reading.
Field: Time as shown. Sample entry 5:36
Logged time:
8:37
